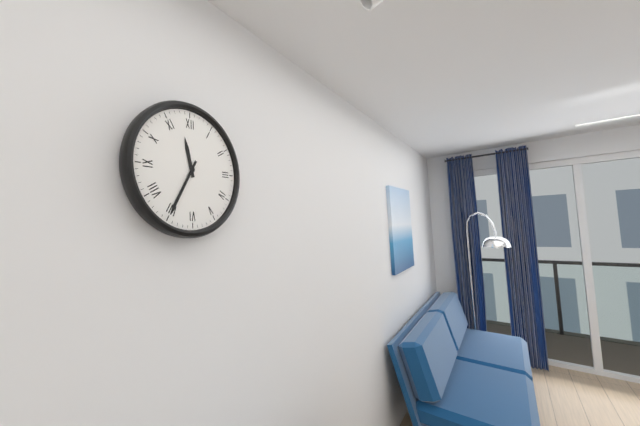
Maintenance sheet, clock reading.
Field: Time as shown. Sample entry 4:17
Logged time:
11:35
